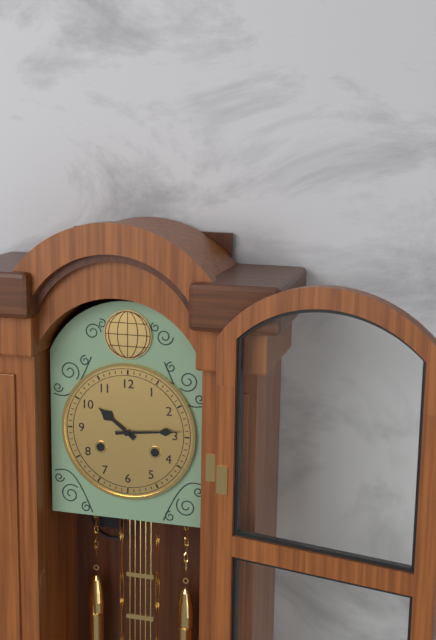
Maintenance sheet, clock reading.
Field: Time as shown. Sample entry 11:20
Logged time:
10:14
